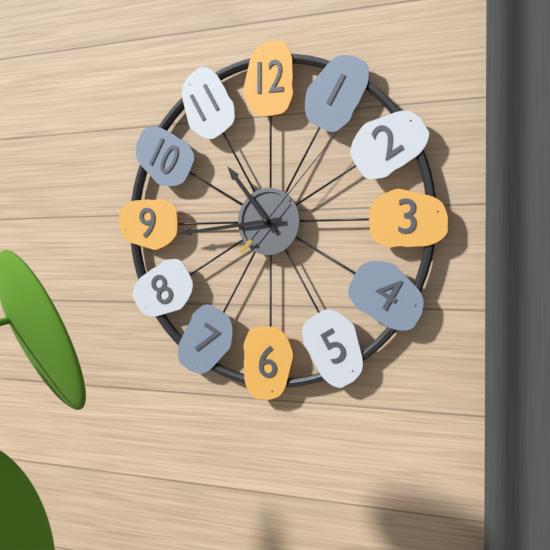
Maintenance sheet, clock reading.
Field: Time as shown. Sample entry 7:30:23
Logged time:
10:44:07
